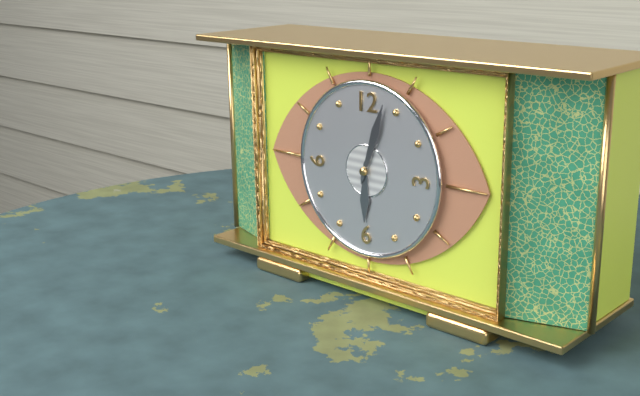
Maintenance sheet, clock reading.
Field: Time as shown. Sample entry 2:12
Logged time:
6:03
